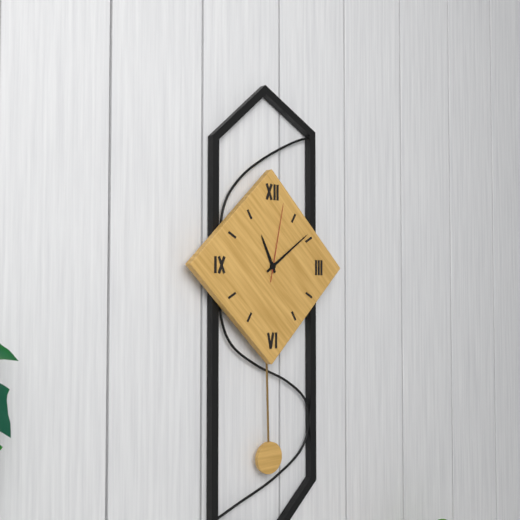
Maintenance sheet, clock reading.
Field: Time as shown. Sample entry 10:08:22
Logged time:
11:09:02
